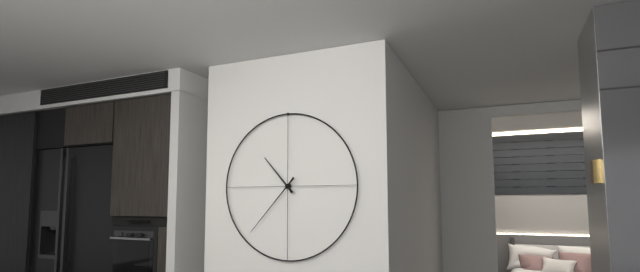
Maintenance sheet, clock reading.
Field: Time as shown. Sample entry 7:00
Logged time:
10:37
